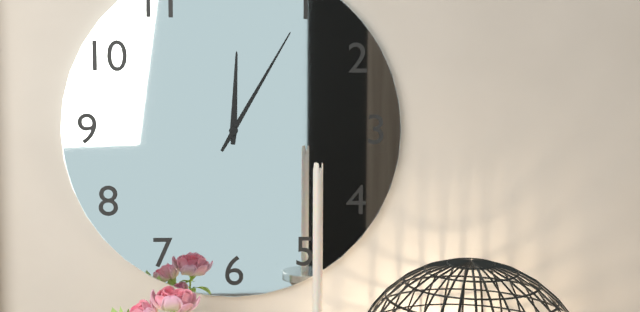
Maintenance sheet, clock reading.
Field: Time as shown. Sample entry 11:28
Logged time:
12:05
